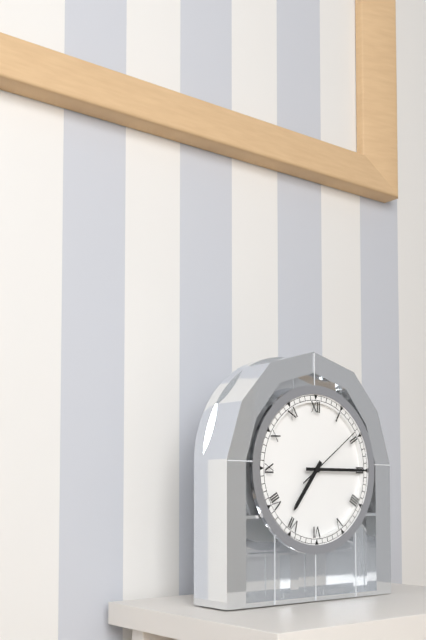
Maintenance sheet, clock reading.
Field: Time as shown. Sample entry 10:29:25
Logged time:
7:15:09
